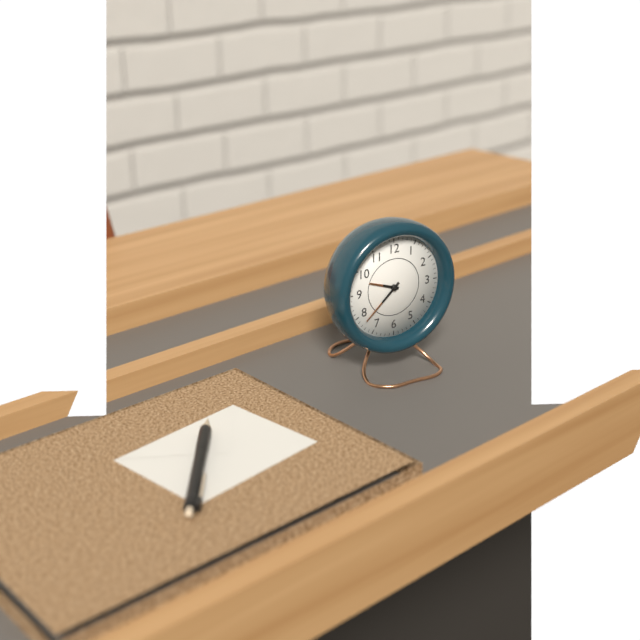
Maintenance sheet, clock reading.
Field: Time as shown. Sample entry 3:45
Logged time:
9:38
